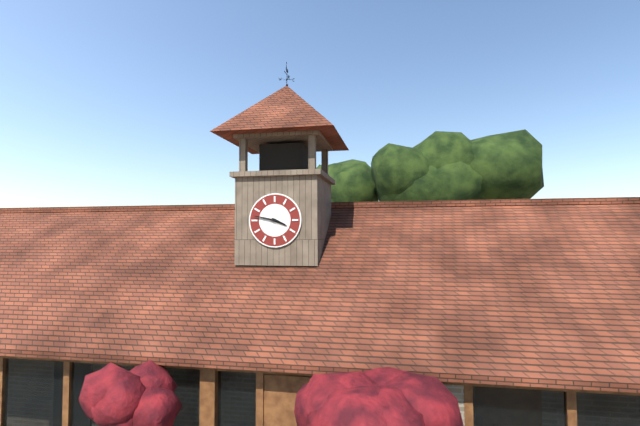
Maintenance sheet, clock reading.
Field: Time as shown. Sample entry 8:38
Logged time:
3:47
